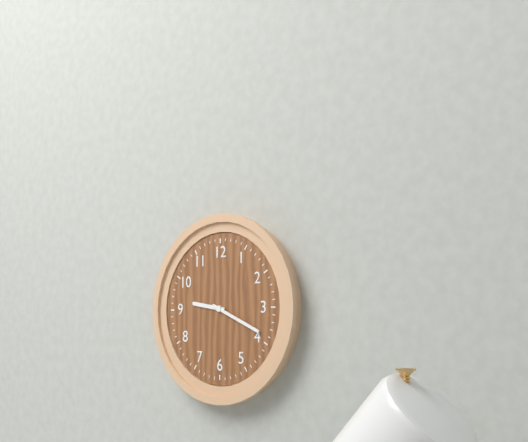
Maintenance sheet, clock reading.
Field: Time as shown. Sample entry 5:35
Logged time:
9:19
